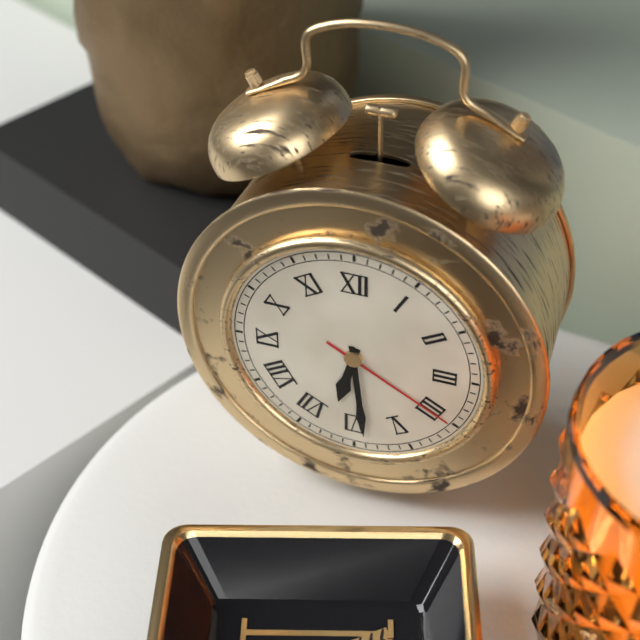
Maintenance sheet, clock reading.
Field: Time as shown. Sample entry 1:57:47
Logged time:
6:29:20
